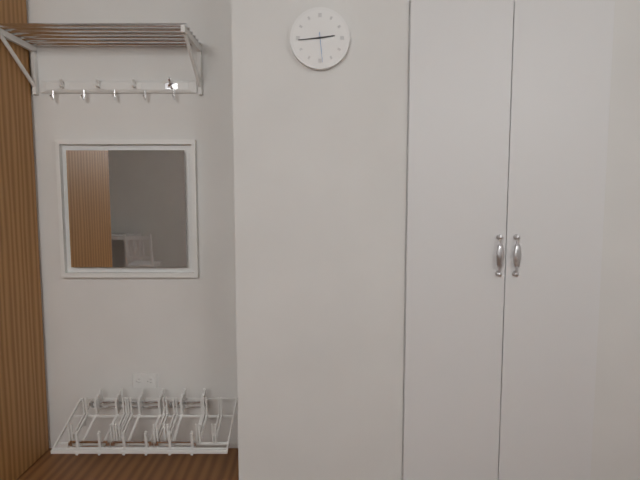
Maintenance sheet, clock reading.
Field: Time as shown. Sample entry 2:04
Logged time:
2:44
